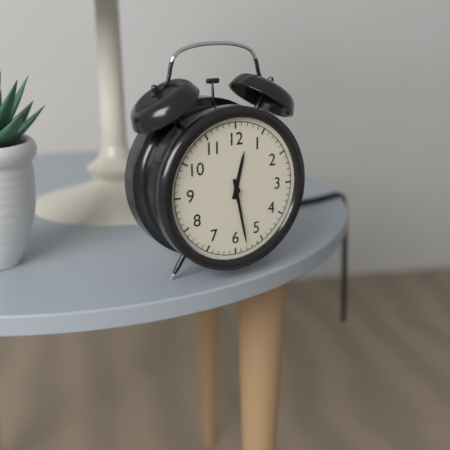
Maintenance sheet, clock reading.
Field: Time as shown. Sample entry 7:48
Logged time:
12:28
